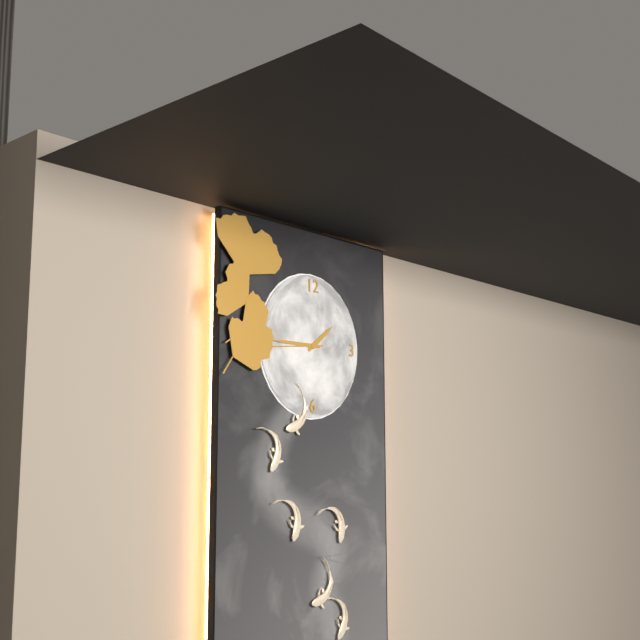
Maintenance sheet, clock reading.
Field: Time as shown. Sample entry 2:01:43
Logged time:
1:45:44
